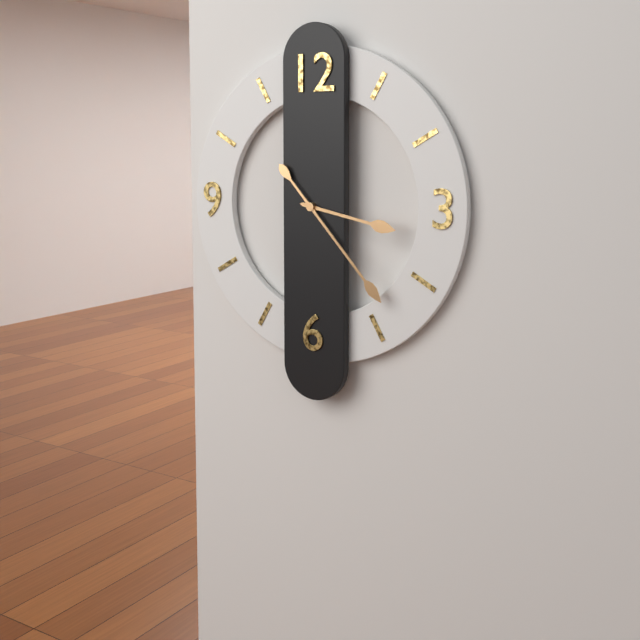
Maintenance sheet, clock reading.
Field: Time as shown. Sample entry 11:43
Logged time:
3:23
